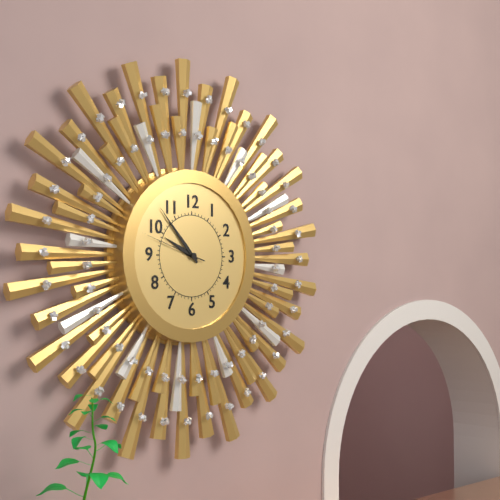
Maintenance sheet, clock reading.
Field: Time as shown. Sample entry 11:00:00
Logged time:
9:53:48
